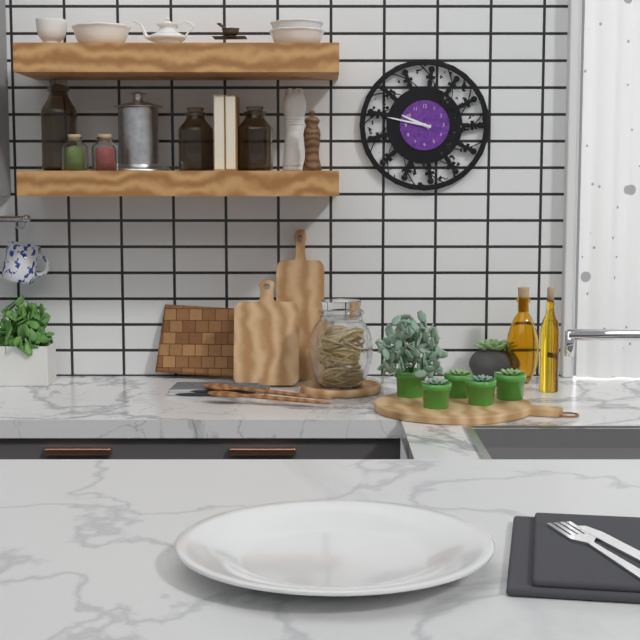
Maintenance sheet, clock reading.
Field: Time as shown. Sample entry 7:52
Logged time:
9:47
